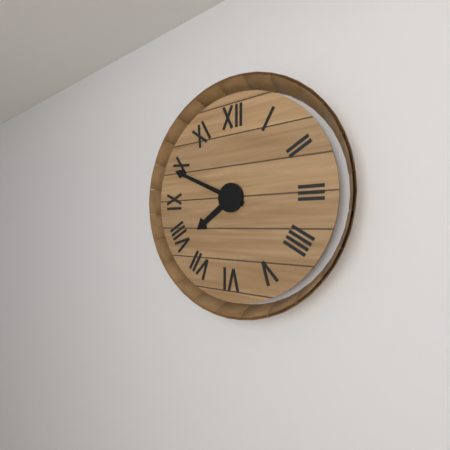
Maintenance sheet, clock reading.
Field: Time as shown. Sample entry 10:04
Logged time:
7:49
